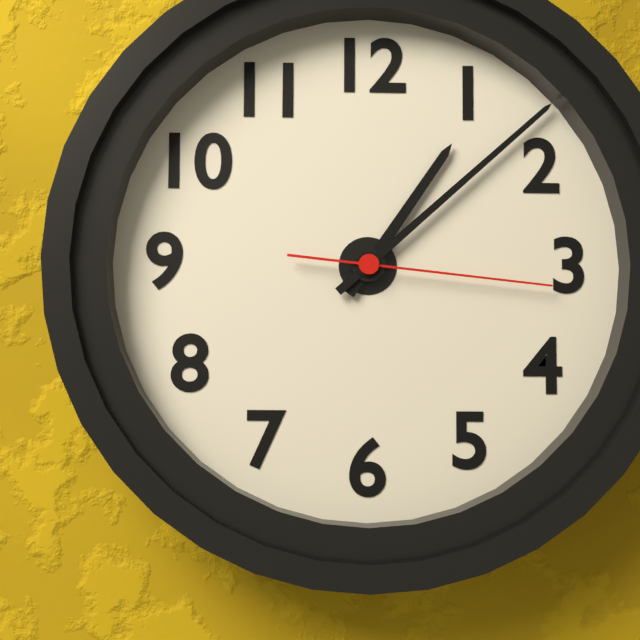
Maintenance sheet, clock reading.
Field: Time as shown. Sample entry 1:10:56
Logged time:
1:08:16
